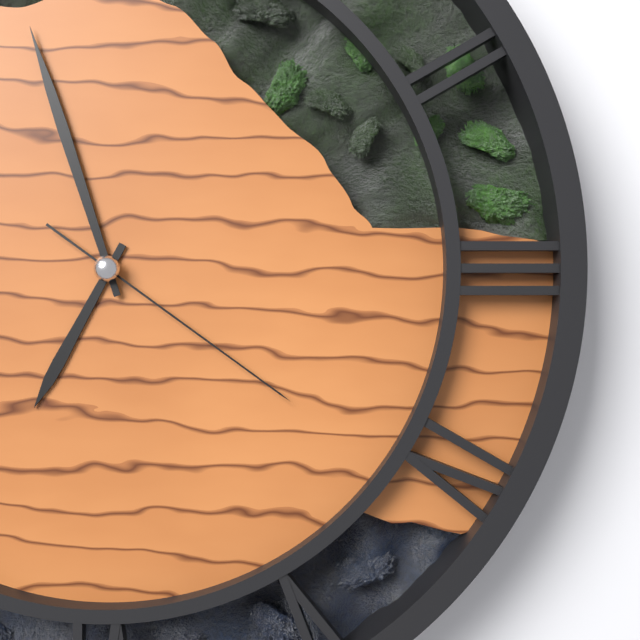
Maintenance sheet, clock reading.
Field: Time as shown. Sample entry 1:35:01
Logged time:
6:57:21
